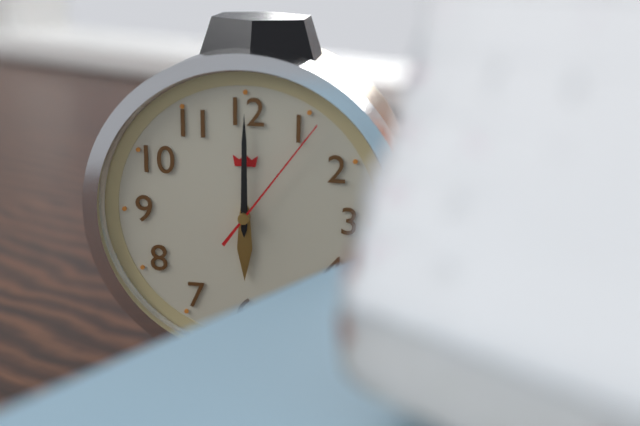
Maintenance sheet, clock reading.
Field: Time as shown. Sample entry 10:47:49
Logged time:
6:00:06
